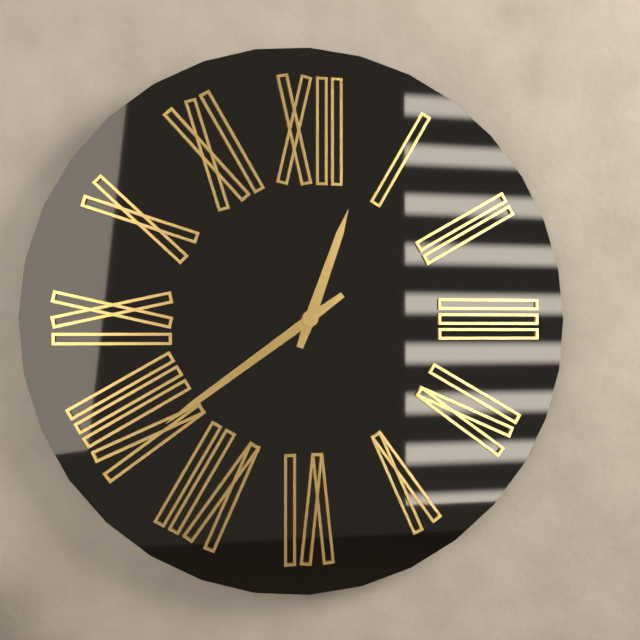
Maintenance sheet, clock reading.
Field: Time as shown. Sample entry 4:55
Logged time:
12:39
